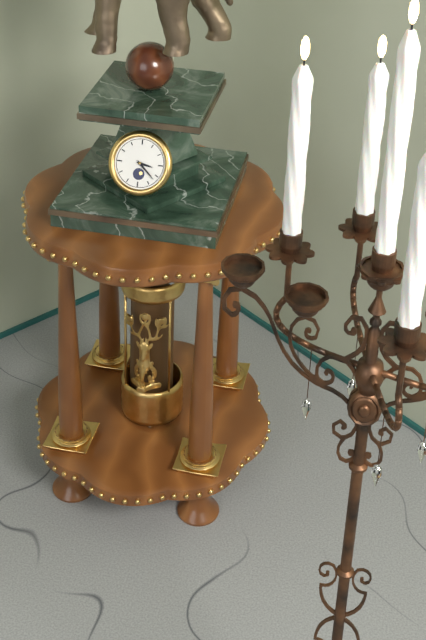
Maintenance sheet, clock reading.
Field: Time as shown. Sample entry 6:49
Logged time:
3:22
